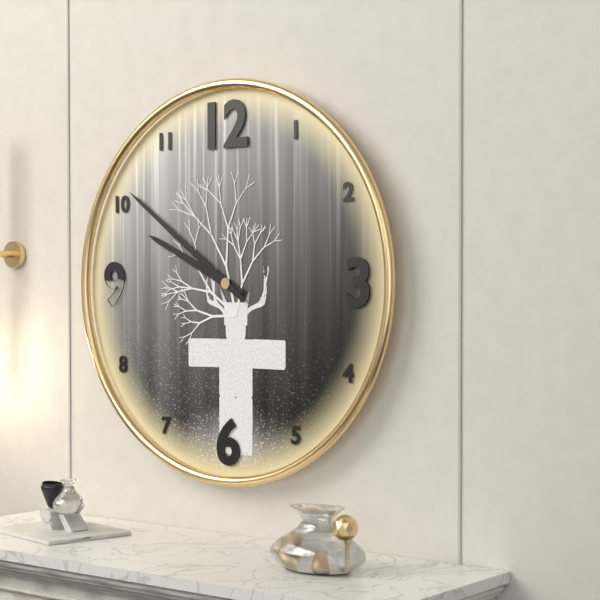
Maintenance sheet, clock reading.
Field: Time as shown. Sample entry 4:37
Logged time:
9:51
